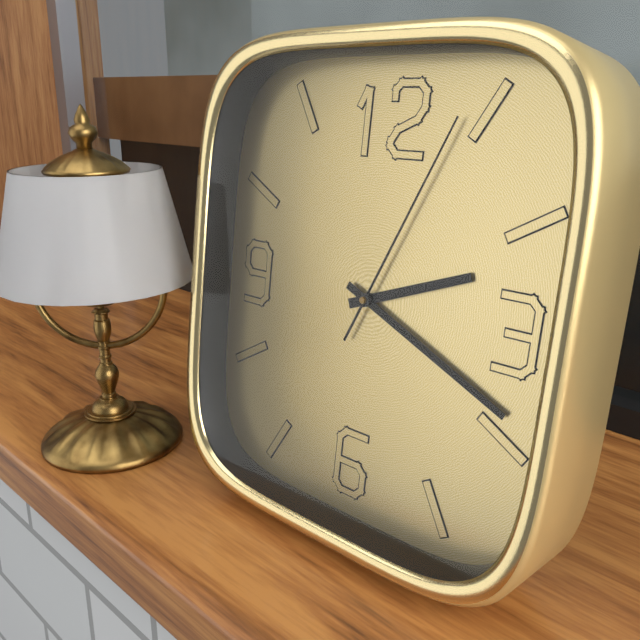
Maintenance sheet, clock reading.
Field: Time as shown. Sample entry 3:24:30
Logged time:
2:19:04
